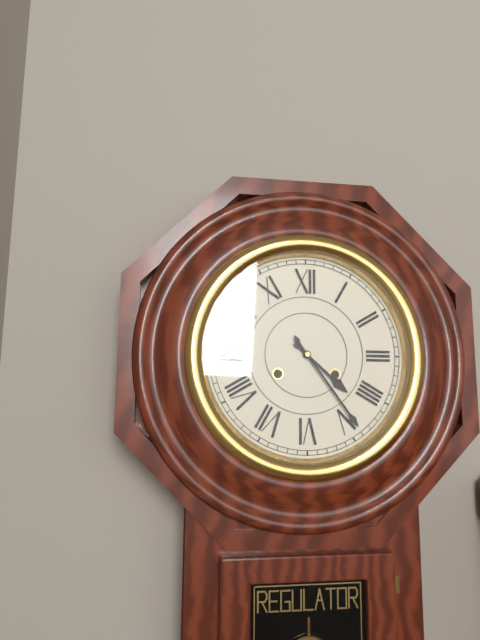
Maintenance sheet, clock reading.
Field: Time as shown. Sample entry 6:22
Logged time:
4:24
